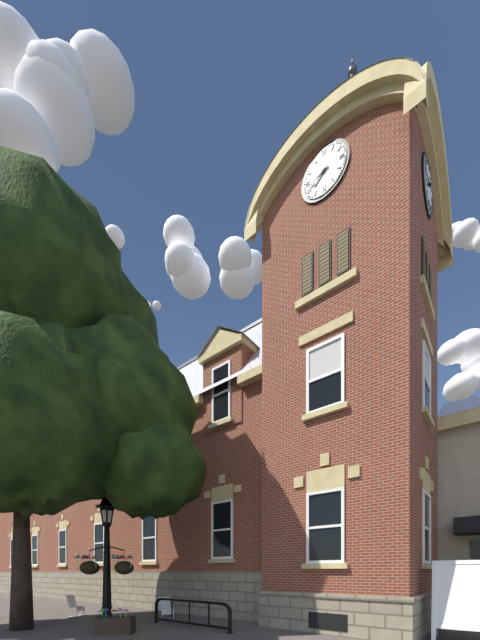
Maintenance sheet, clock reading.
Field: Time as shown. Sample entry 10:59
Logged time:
7:42
